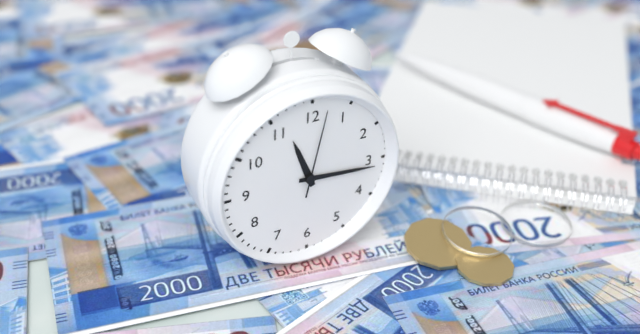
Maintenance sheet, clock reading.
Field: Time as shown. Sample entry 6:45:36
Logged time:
11:16:02
